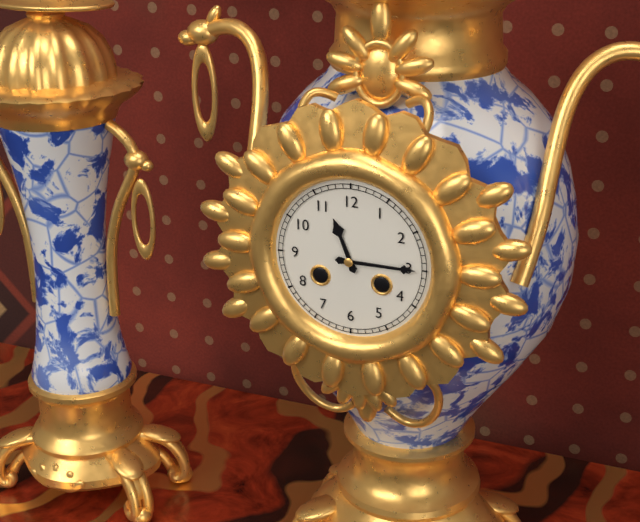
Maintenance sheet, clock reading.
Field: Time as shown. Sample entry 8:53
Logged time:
11:15
